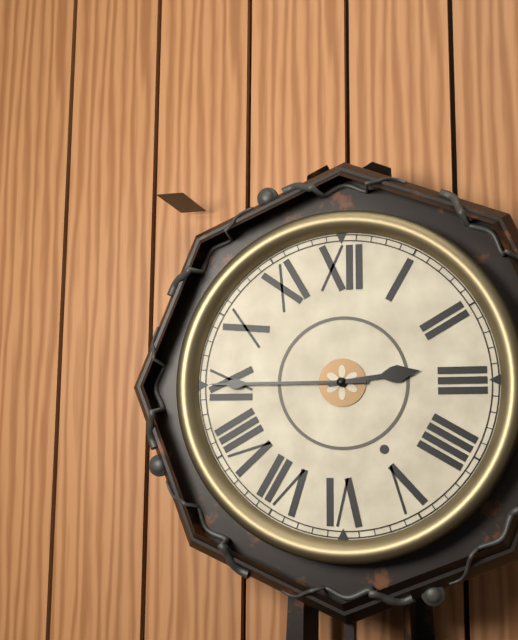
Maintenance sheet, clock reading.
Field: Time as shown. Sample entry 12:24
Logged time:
2:45
